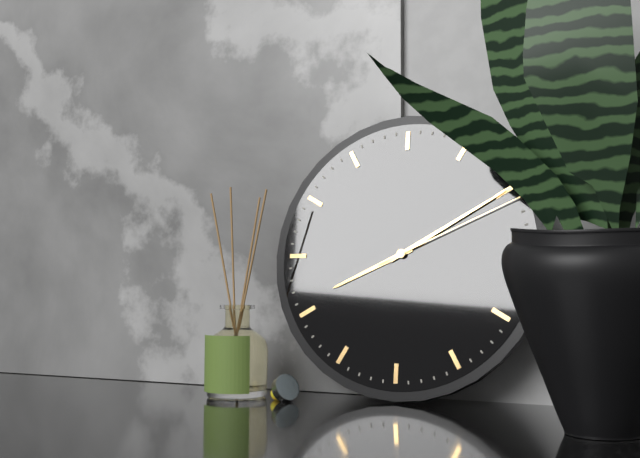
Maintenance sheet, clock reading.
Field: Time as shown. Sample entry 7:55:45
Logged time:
8:10:11
